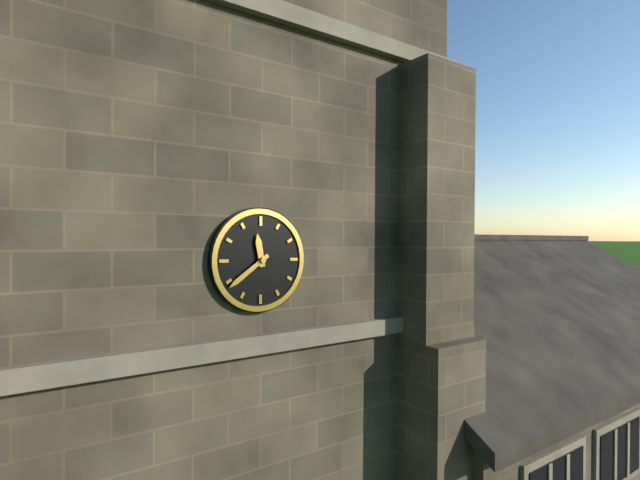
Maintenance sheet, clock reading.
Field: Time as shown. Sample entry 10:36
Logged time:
11:39
